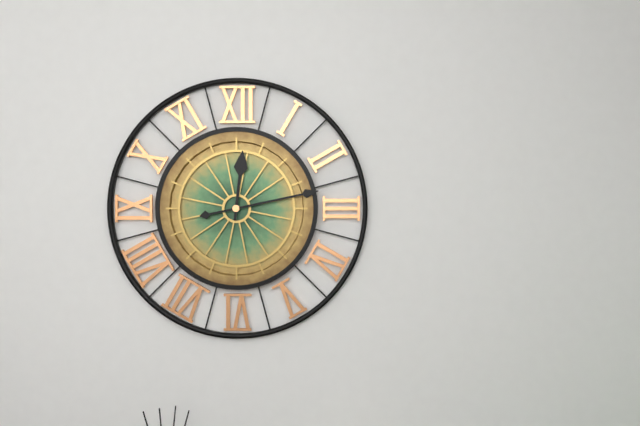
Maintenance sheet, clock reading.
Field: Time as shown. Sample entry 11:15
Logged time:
12:13
